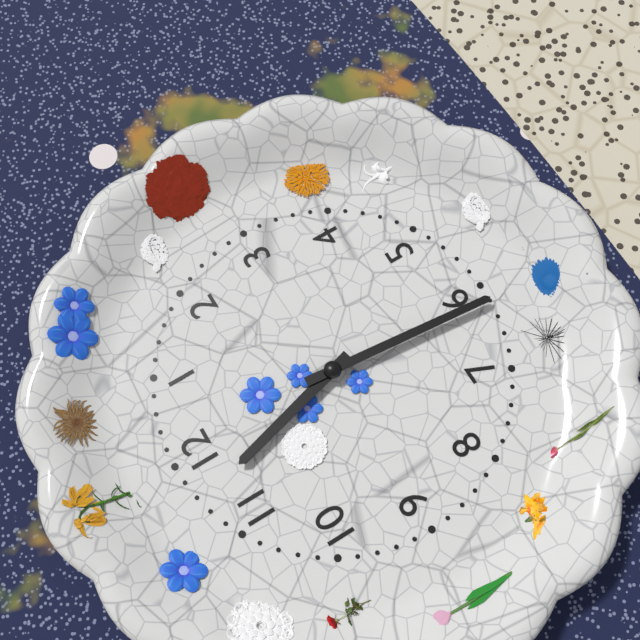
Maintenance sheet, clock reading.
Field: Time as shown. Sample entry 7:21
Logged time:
11:31
